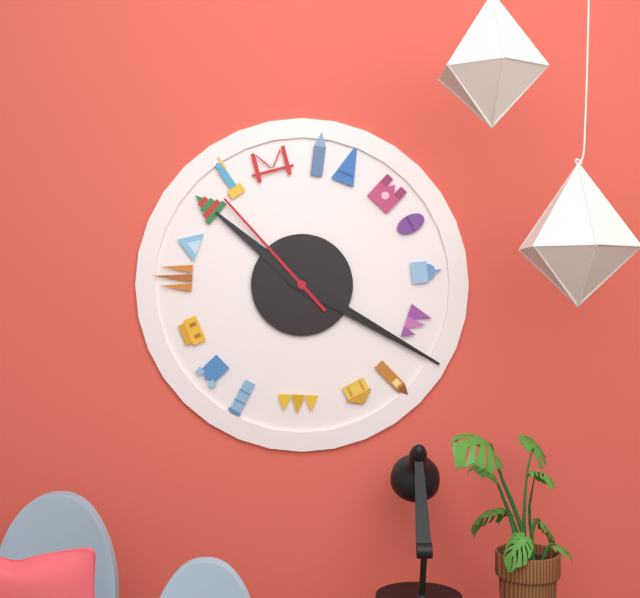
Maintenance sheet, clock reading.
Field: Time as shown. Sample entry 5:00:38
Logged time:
10:20:53
